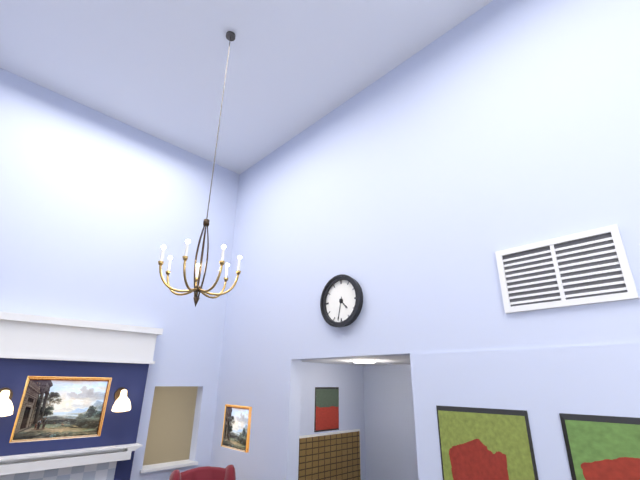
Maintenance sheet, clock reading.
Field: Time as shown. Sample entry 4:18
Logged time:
4:32
